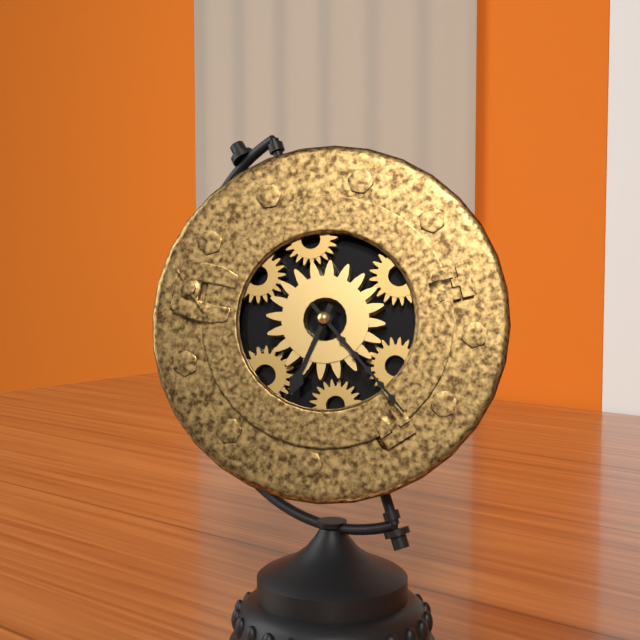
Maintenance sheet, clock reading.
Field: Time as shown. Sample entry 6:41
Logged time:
6:21
